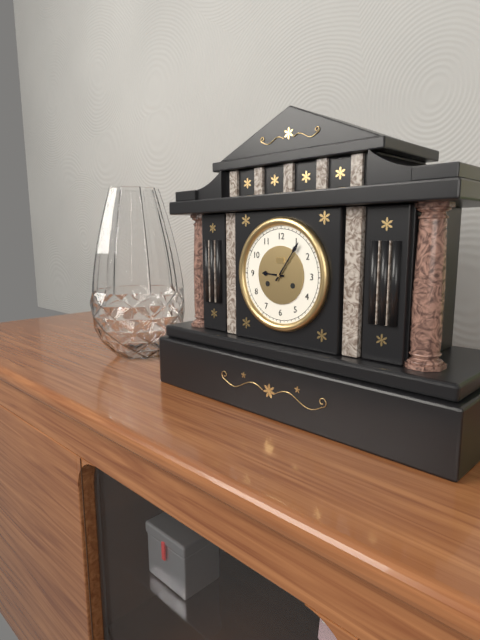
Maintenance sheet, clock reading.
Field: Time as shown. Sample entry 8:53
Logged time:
9:06
